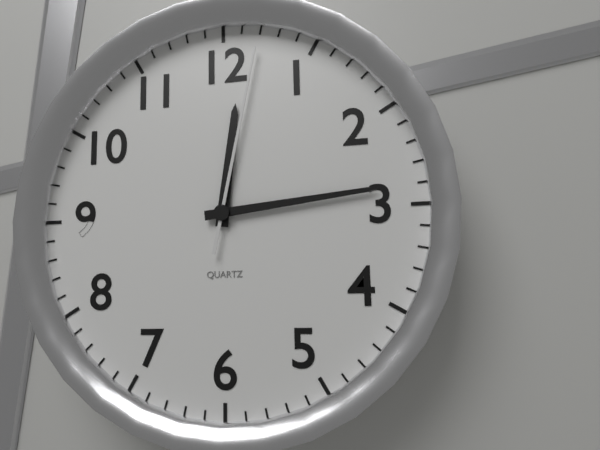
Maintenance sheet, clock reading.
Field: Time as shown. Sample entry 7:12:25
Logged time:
12:14:02
